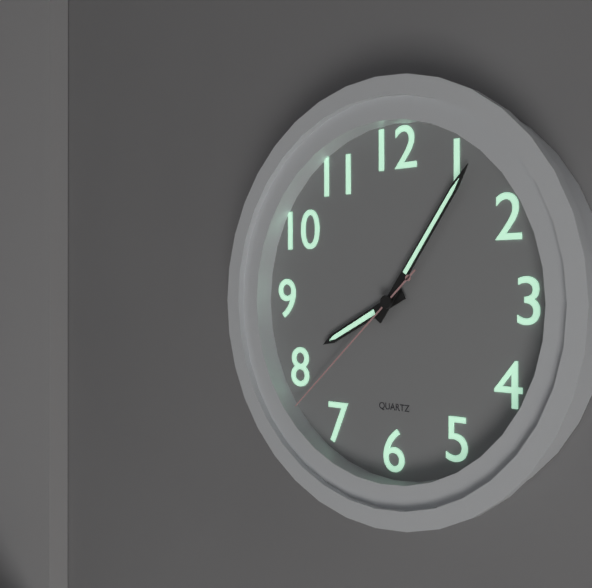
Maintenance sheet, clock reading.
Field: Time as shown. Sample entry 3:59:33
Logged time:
8:06:38
